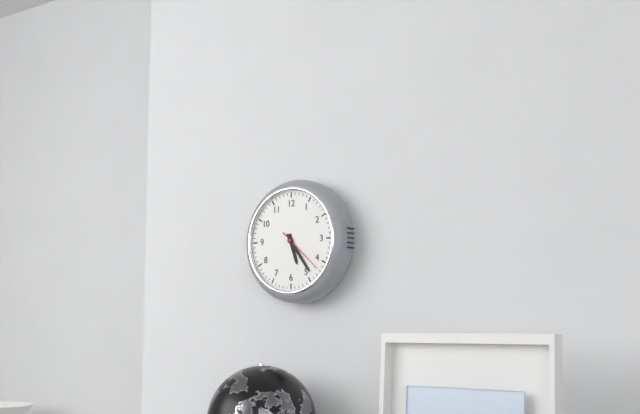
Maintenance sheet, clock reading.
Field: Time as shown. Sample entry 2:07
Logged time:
5:24
